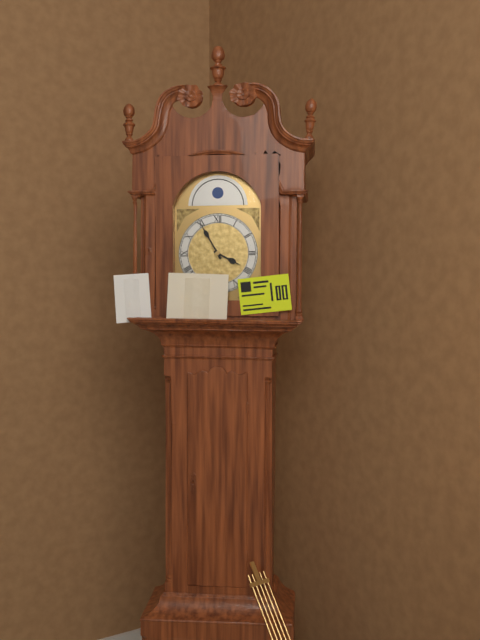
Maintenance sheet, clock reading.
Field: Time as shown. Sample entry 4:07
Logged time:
3:55
